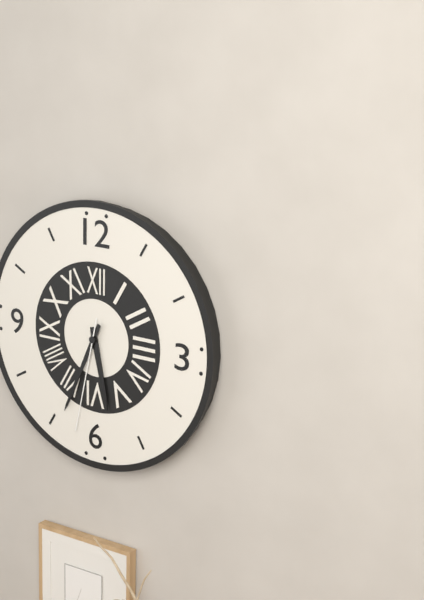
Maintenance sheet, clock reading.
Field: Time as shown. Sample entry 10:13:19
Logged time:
5:34:32
